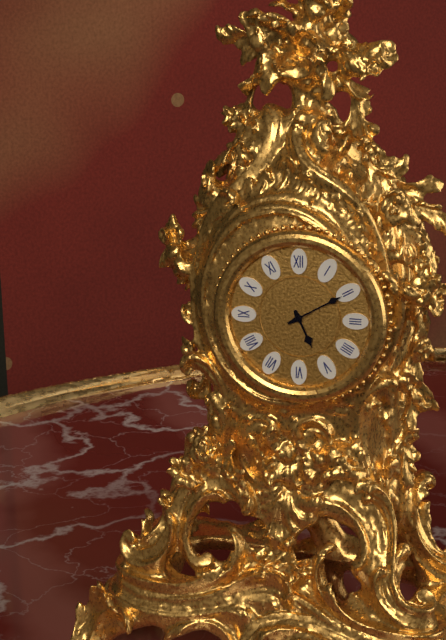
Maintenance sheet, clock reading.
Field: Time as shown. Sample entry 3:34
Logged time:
5:10
